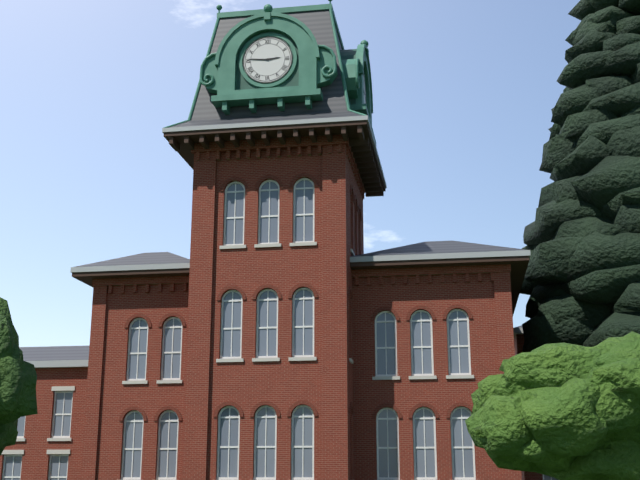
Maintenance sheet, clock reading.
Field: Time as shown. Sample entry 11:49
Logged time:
2:46
